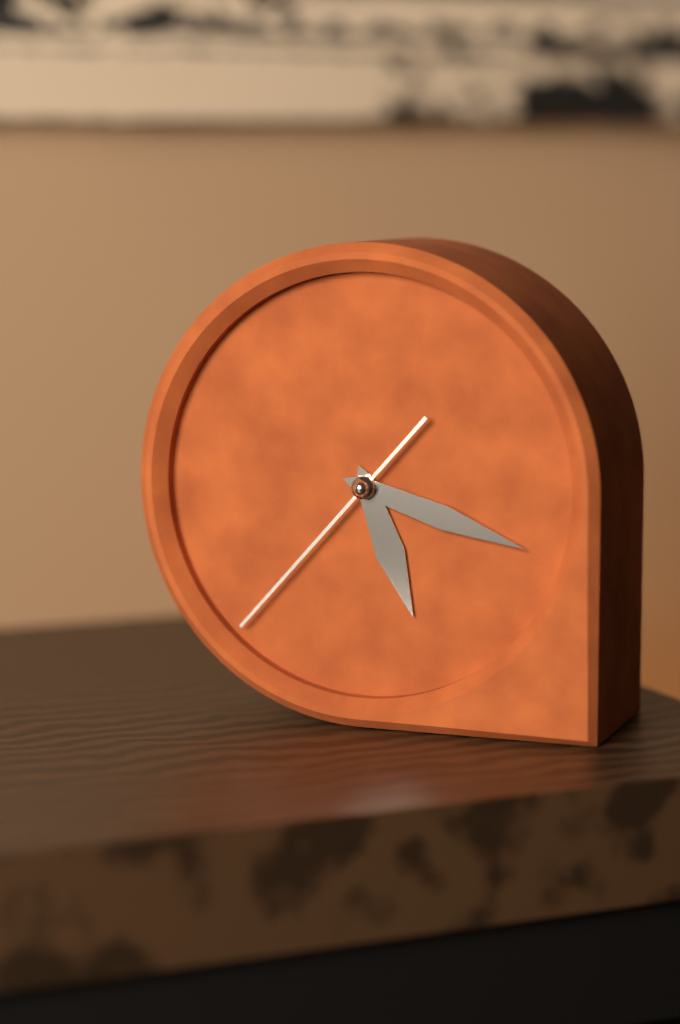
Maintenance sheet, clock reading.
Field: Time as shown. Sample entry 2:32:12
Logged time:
5:18:37
